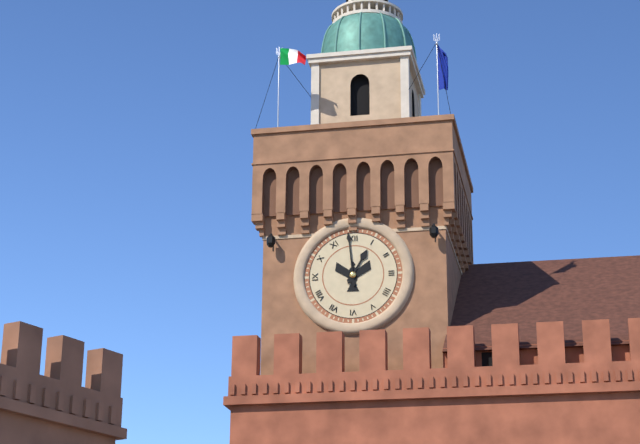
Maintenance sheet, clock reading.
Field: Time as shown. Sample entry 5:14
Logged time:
12:59
